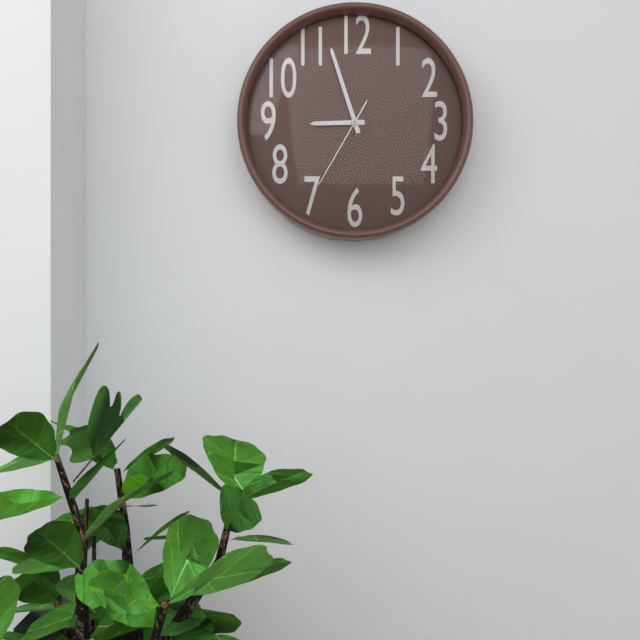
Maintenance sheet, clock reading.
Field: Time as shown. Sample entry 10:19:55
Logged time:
8:57:35
